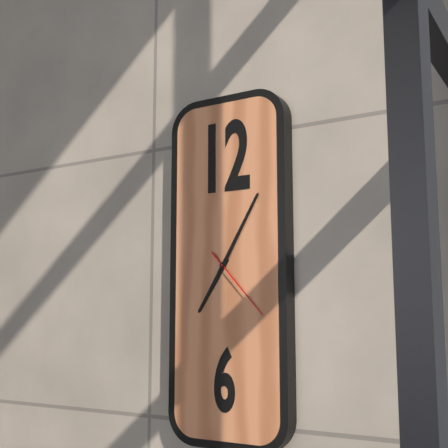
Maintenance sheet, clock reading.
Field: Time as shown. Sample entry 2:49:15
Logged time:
7:05:23
